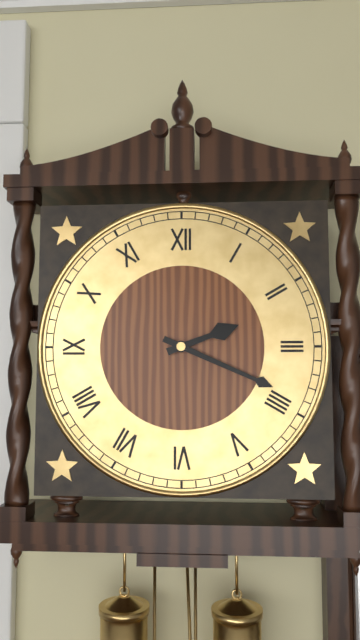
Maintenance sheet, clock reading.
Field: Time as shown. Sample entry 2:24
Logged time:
2:19
